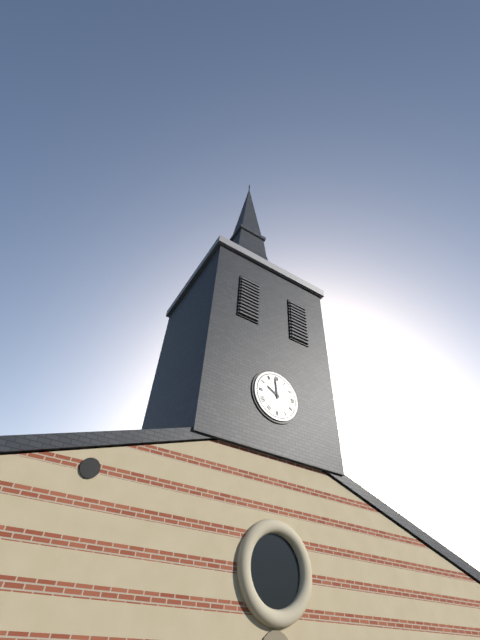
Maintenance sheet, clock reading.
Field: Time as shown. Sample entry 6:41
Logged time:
9:59
